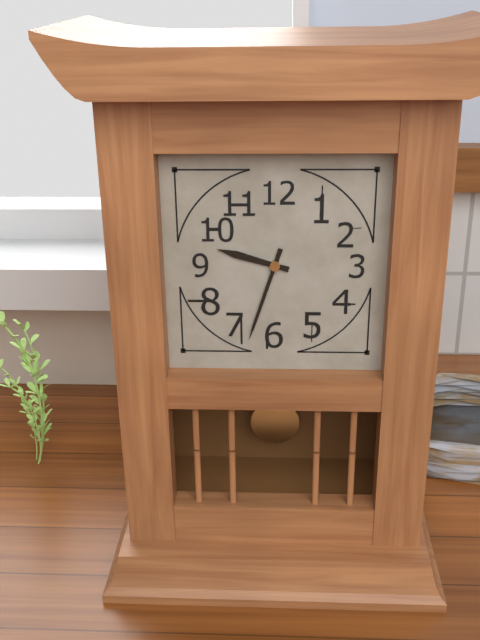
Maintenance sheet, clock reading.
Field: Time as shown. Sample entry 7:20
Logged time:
9:33
